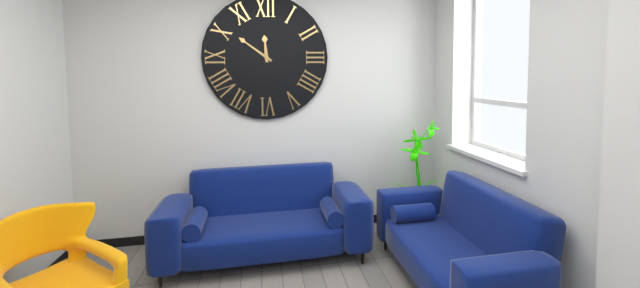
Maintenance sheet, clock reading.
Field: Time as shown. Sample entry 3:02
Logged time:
11:51
